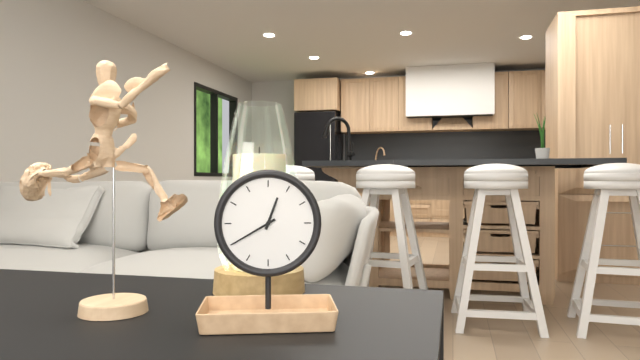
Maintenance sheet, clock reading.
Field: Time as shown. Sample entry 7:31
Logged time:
12:40
